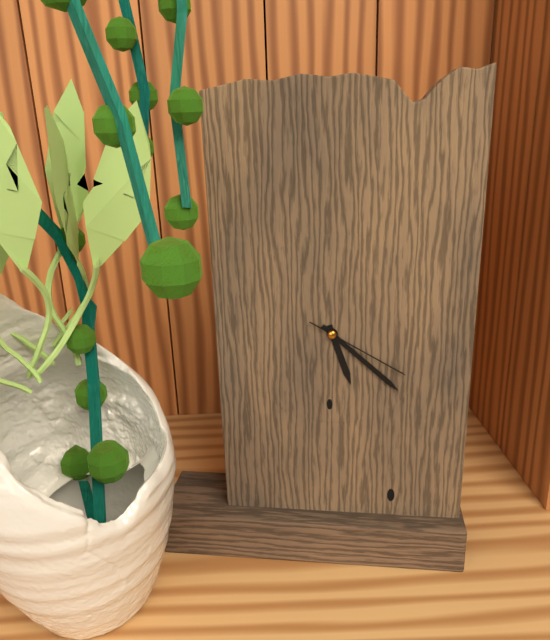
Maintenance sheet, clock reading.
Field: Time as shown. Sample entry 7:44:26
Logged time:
5:22:20
